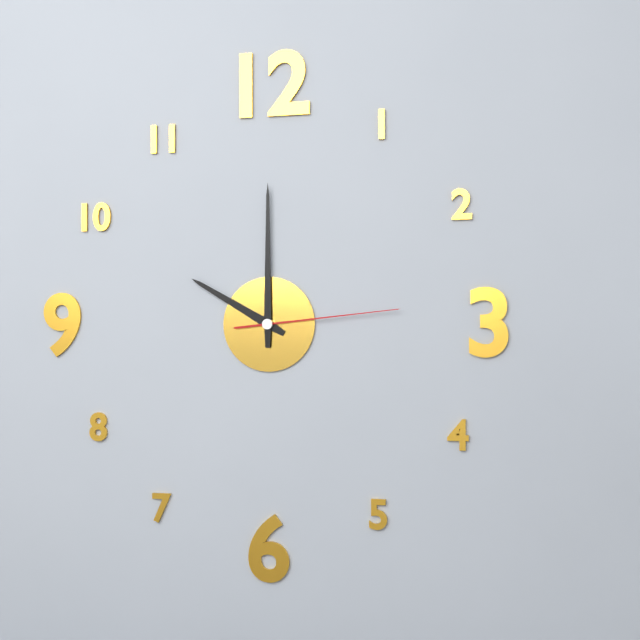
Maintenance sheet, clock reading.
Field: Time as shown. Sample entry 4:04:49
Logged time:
10:00:14
